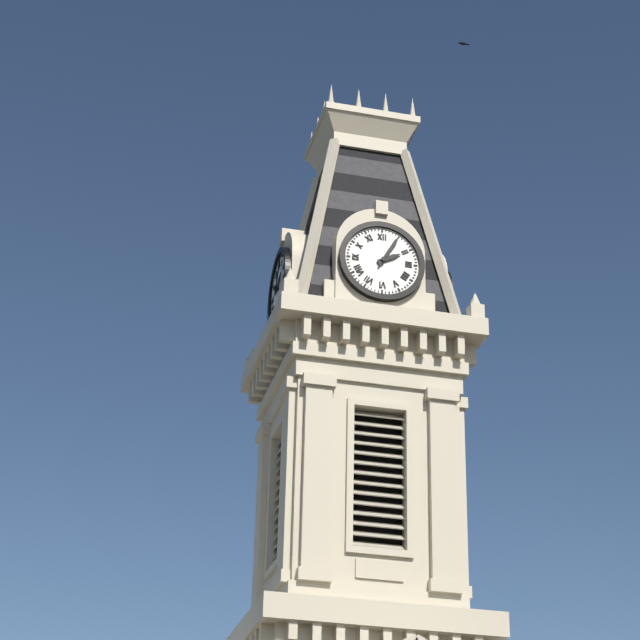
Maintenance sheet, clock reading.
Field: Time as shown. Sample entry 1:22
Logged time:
2:05
